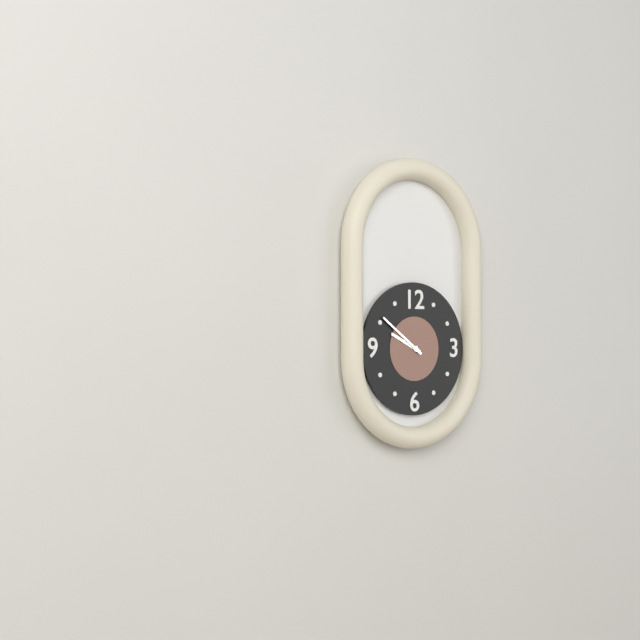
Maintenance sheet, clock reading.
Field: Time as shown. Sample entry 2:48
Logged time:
9:51
